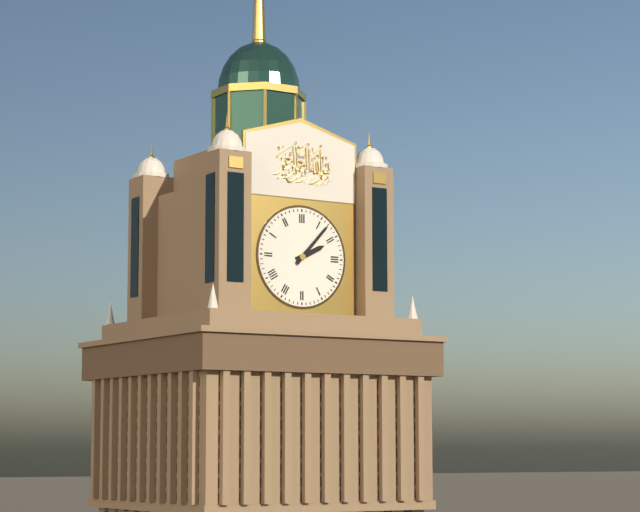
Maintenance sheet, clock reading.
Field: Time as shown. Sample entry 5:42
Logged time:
2:07
